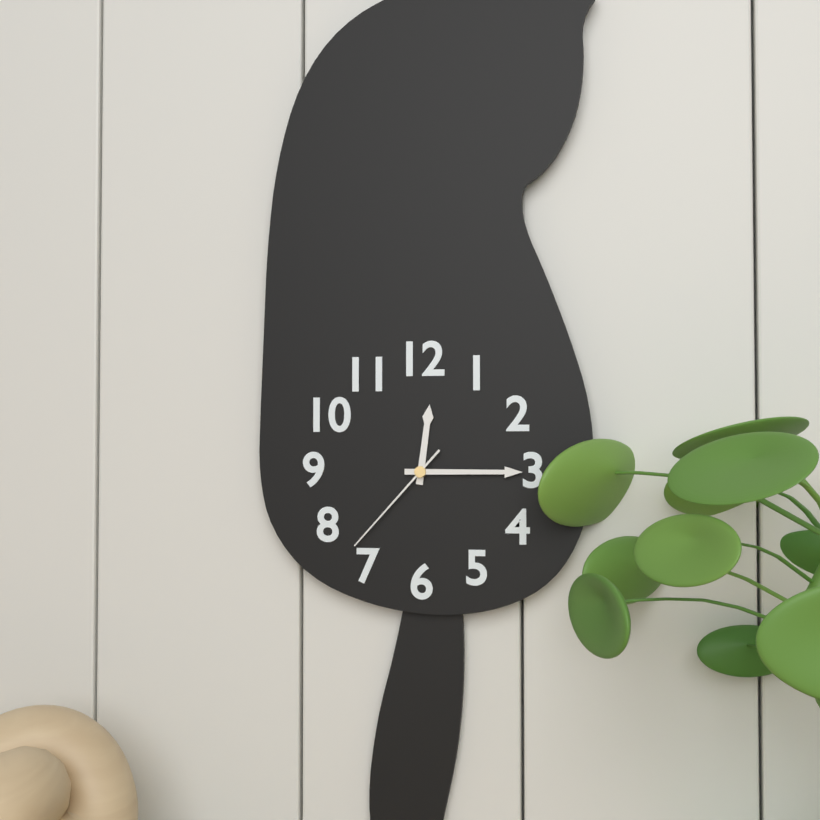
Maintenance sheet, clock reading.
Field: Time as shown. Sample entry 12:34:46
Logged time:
12:15:37
